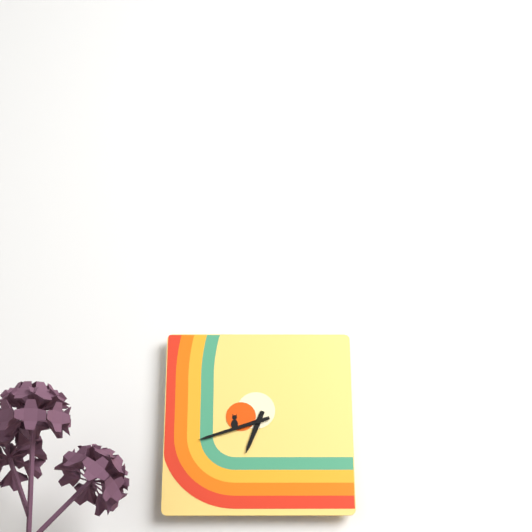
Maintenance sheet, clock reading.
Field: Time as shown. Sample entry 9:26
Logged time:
6:42
